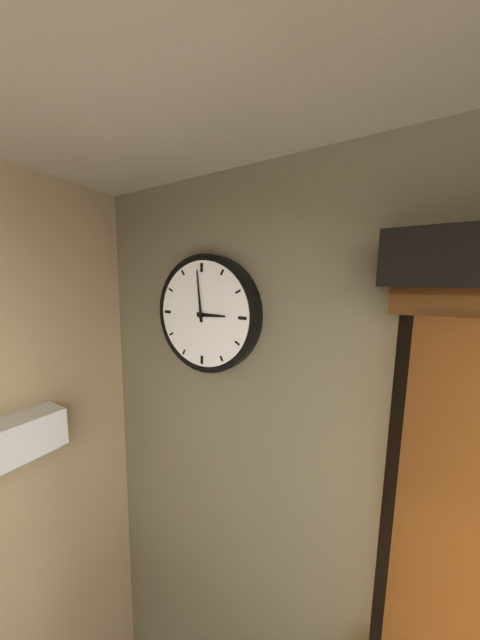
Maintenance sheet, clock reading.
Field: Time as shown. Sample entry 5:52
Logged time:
2:59
